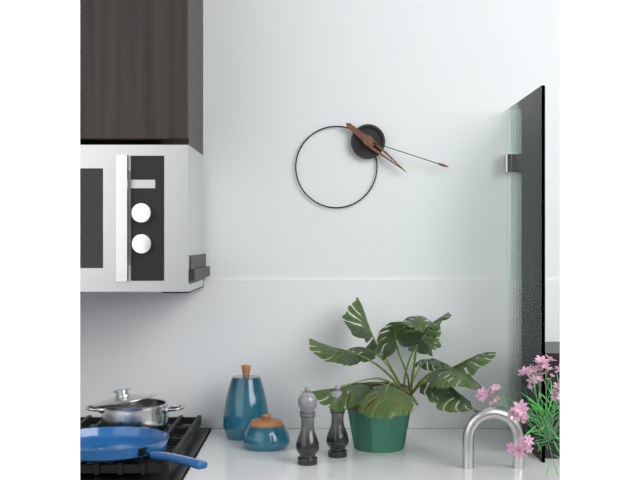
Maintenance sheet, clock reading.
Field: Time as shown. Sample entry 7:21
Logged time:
4:18
